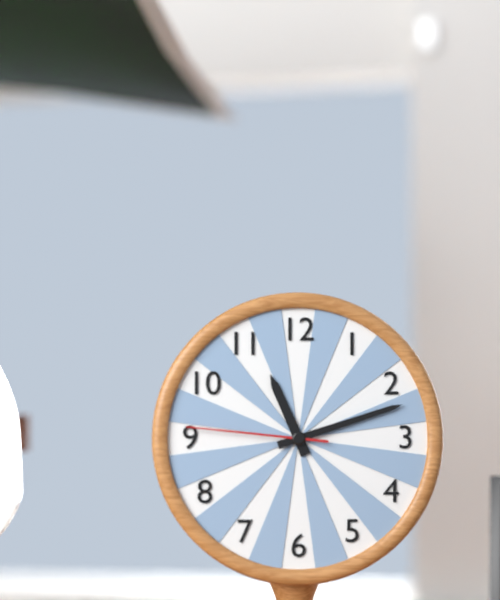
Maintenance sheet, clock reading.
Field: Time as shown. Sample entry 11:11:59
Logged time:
11:12:46
